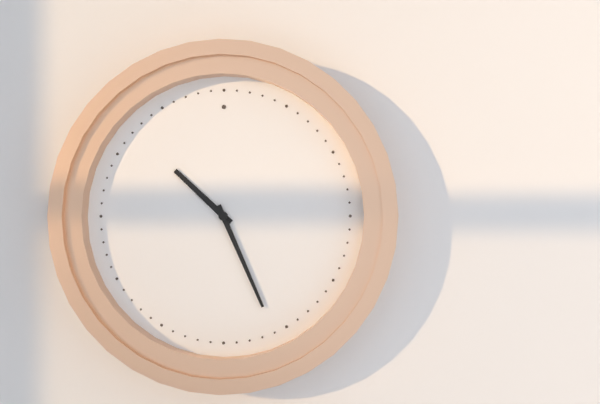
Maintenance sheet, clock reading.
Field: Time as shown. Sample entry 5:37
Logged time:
10:26
